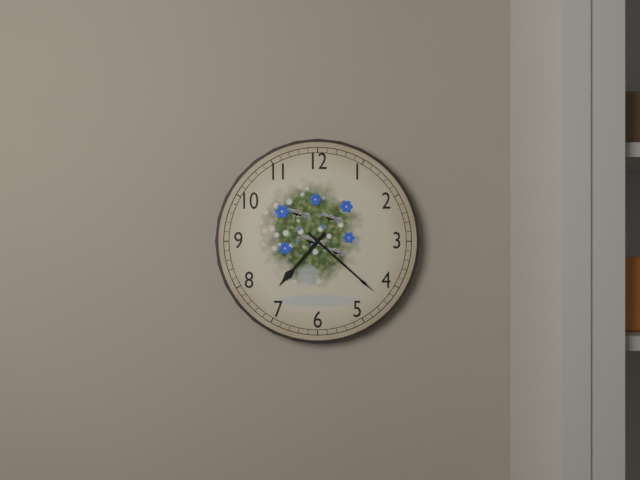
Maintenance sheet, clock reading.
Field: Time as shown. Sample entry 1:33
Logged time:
7:22
